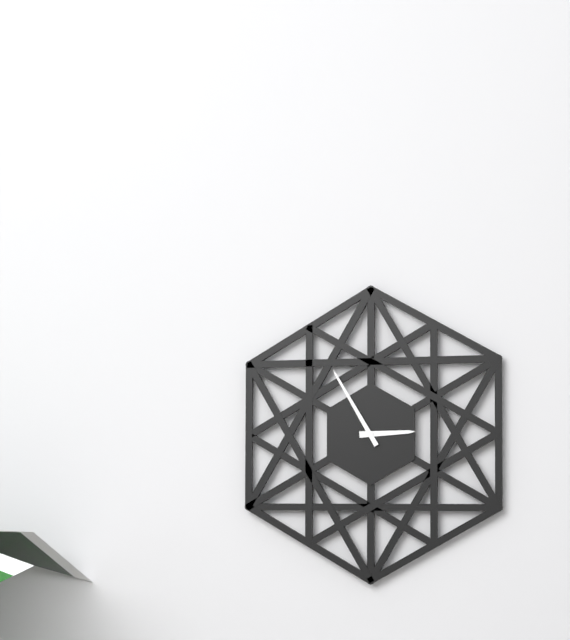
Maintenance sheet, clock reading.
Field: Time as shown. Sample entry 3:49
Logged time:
2:55
